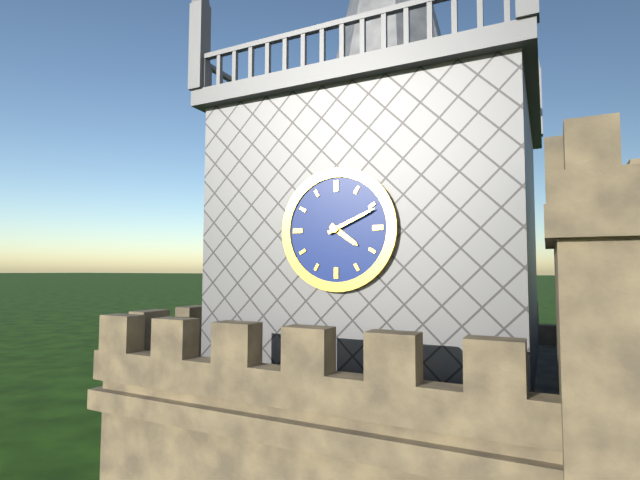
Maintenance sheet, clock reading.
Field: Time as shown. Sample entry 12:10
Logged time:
4:11
